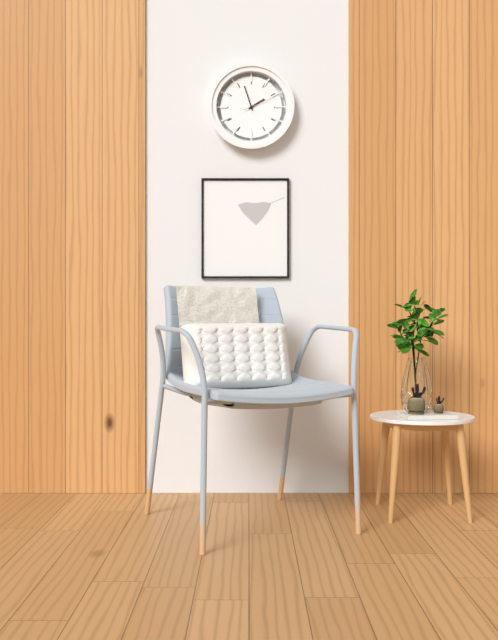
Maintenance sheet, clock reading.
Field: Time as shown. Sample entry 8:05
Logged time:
1:57
